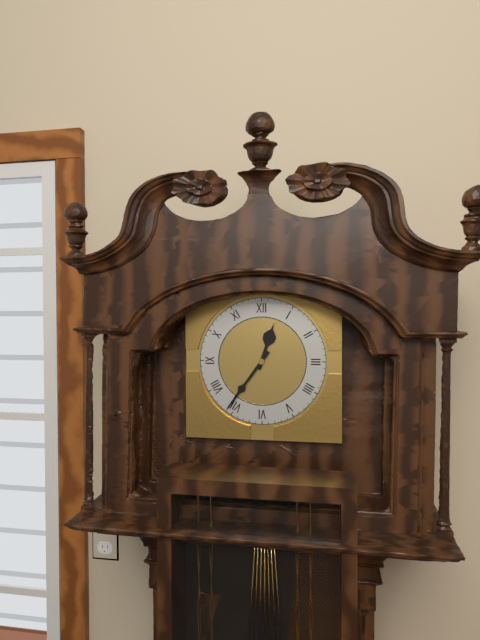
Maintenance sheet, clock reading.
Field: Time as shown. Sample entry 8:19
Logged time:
12:36
